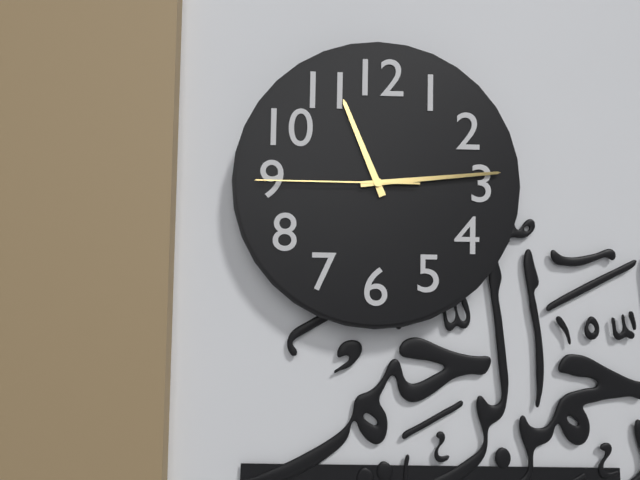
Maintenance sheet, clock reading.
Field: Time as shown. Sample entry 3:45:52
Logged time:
11:14:45
